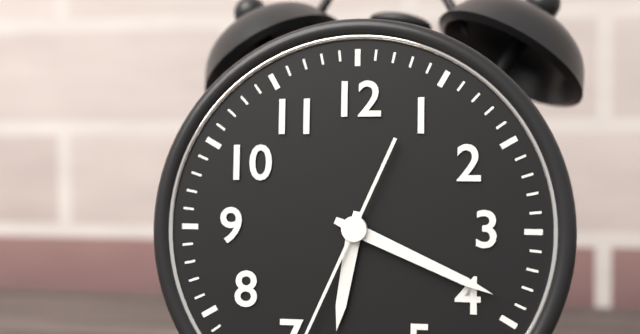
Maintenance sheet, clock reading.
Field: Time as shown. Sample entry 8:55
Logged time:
6:19
